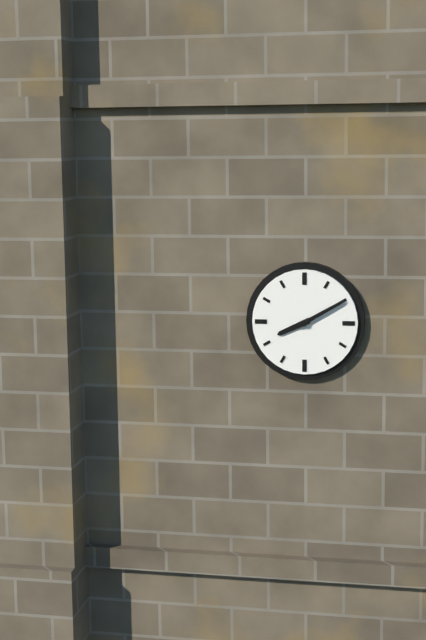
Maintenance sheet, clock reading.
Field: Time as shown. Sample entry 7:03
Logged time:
8:10
